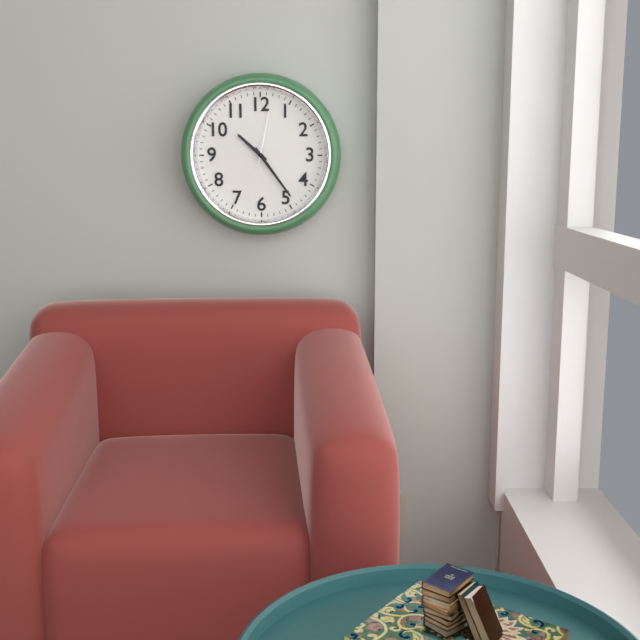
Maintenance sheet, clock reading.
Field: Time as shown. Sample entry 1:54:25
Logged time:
10:24:02
